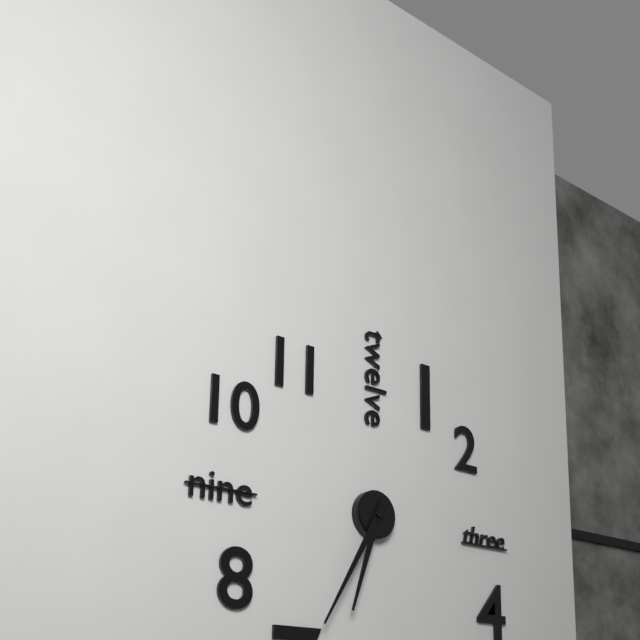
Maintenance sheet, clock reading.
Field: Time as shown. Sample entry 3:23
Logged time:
6:35
